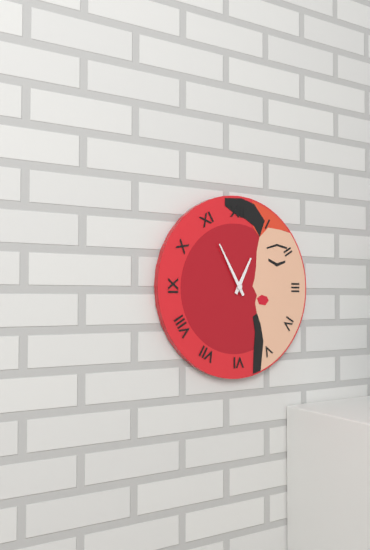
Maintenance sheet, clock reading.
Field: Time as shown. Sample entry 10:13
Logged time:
12:55
